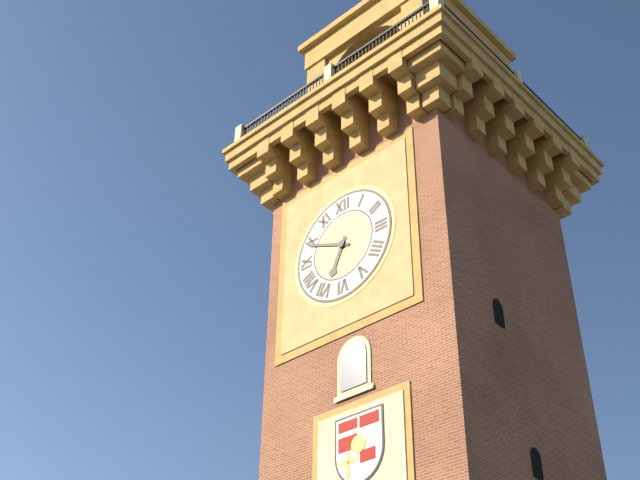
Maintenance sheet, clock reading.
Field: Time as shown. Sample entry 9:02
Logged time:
6:49
